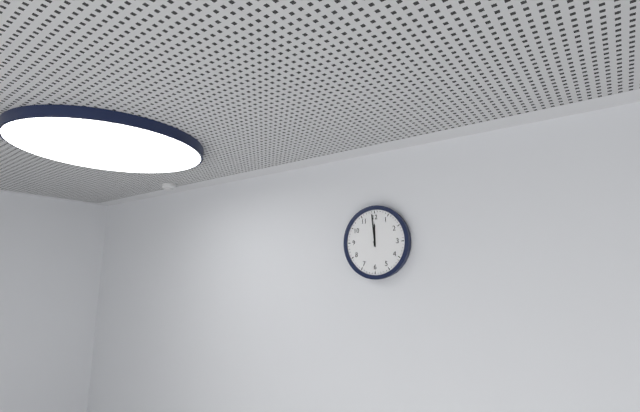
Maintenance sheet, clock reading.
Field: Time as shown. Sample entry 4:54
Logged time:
11:59
